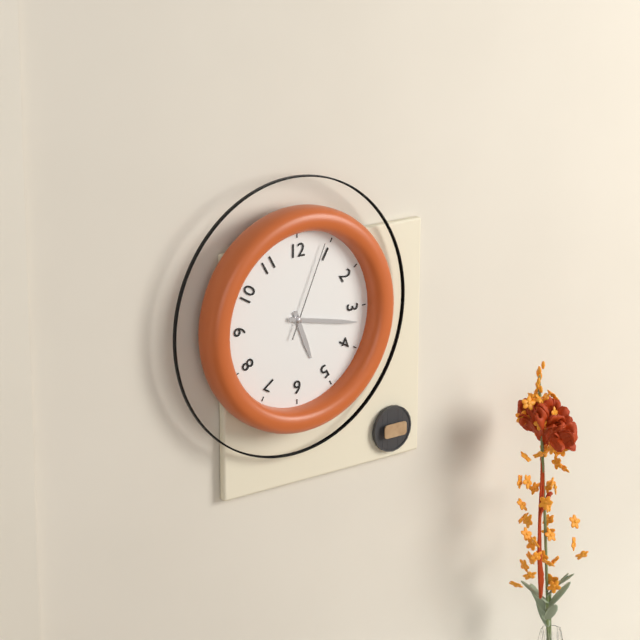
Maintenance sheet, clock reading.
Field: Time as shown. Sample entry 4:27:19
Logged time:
5:17:04
